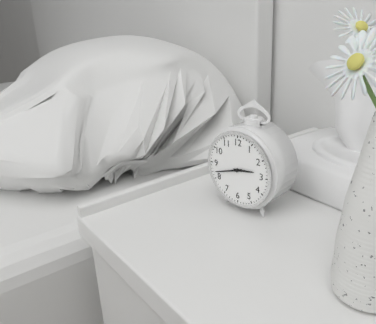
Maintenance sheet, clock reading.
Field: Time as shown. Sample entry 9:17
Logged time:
2:42
